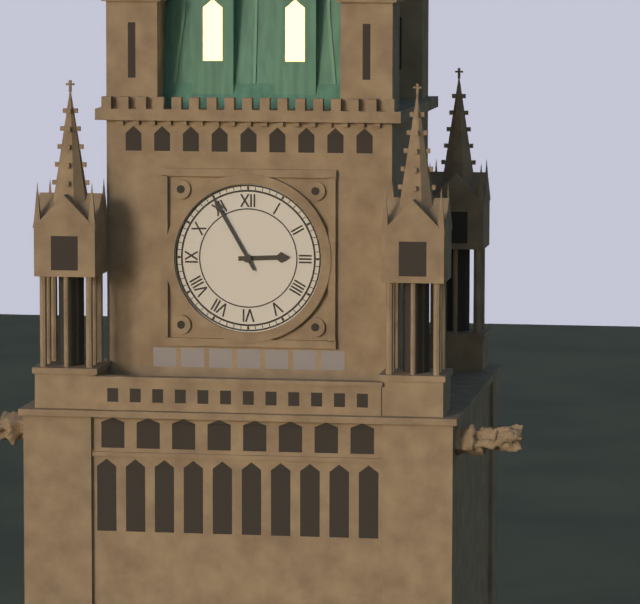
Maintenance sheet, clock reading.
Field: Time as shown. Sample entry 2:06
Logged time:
2:55
